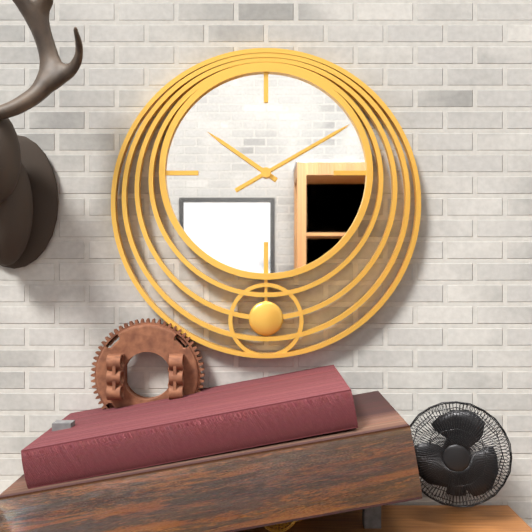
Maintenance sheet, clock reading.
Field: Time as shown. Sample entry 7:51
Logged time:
10:10
